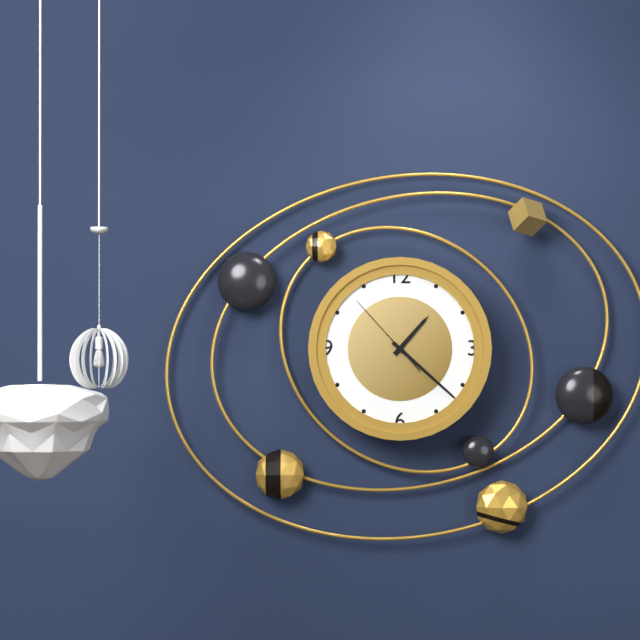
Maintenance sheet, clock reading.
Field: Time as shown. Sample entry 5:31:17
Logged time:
1:22:53
